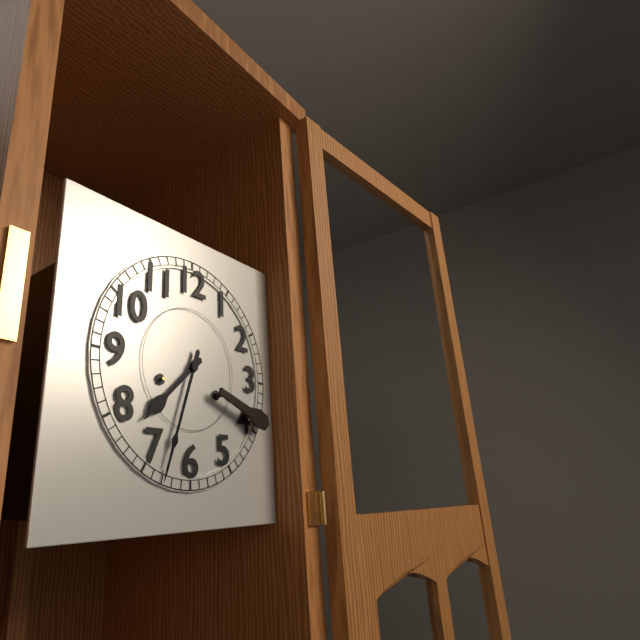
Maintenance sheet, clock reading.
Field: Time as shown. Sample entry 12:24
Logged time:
7:33
